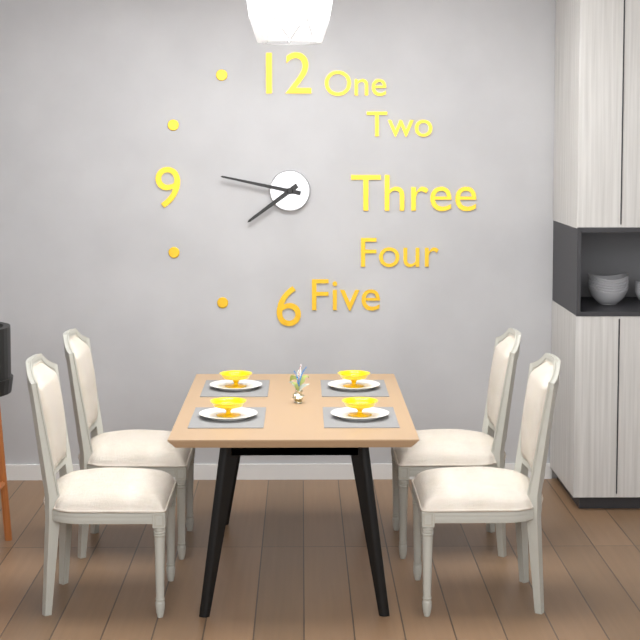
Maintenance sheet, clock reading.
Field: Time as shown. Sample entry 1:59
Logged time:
7:47
